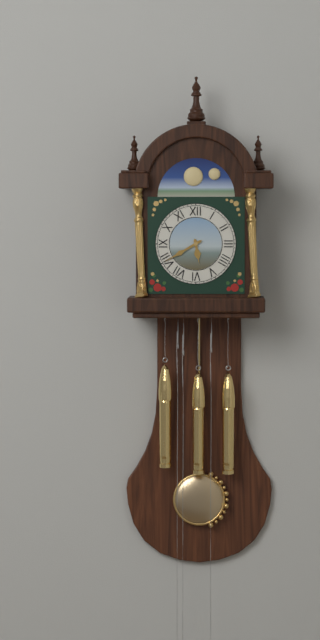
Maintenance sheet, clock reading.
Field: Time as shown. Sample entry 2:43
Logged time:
5:40
